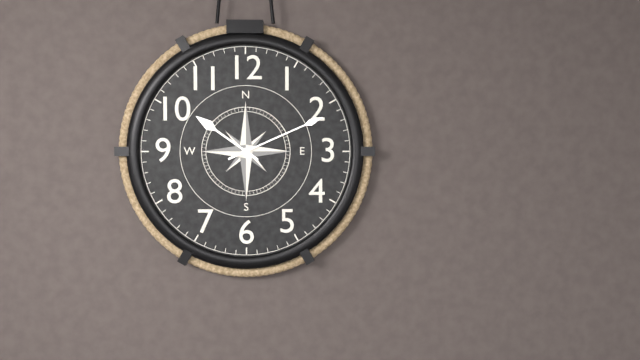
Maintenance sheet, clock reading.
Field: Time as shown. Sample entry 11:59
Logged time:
10:11
